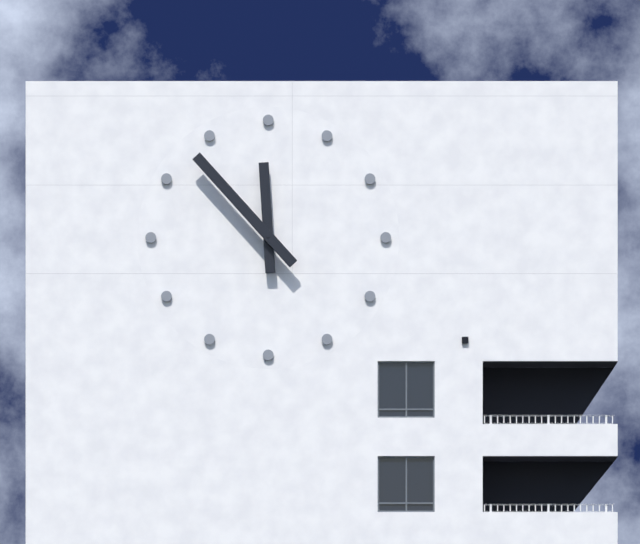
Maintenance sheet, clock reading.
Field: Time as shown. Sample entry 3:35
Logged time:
11:53
